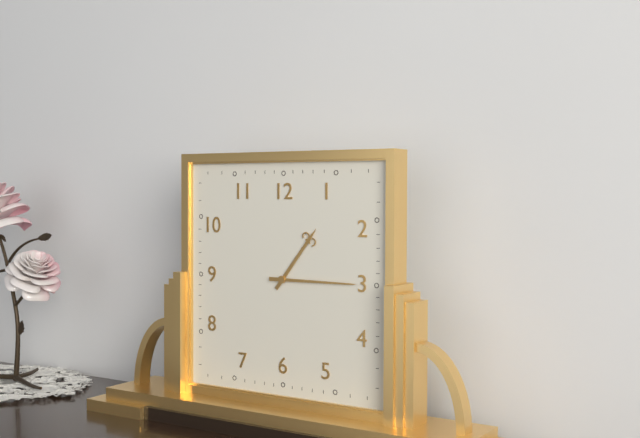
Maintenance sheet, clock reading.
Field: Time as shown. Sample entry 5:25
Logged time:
1:15
